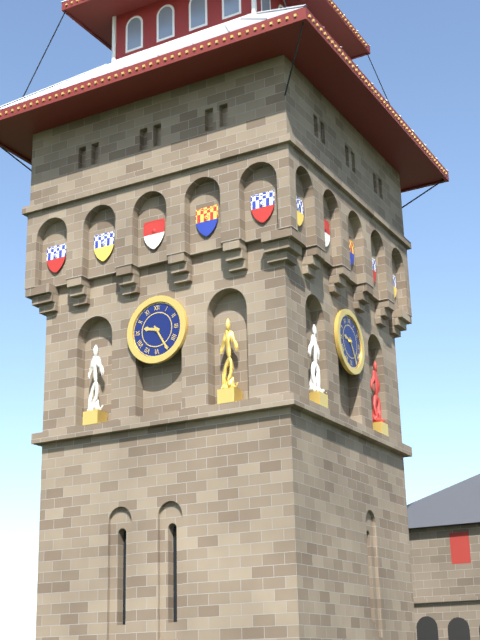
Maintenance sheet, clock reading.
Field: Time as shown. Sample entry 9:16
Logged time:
9:25
